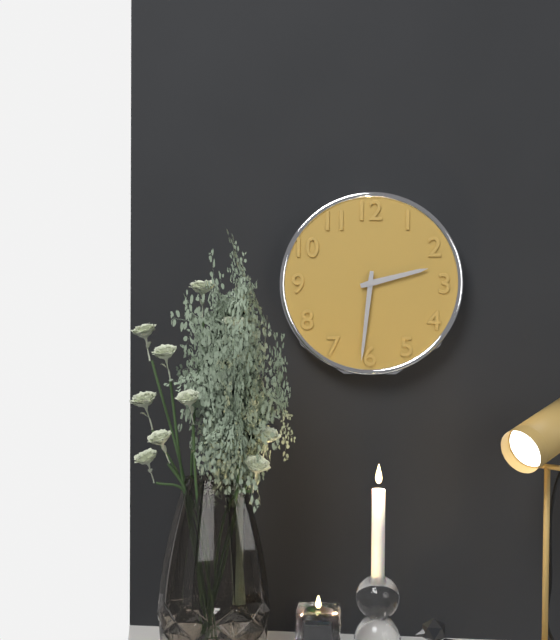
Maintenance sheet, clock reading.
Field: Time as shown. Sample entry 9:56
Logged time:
2:31
